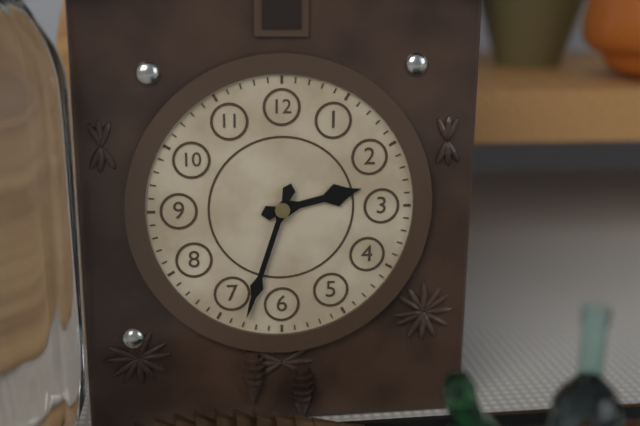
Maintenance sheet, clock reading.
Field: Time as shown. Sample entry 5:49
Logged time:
2:33
